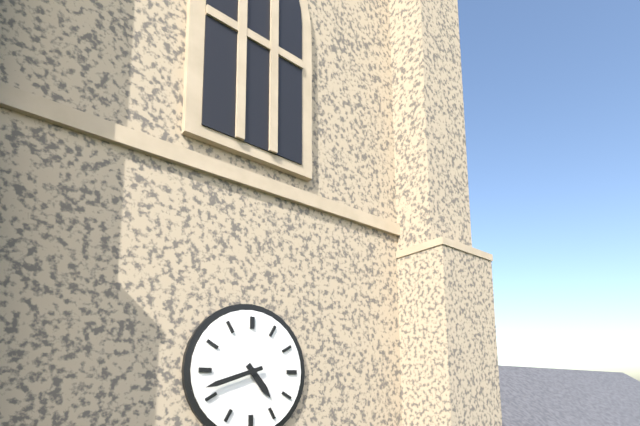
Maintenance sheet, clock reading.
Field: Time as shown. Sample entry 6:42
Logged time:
4:42
